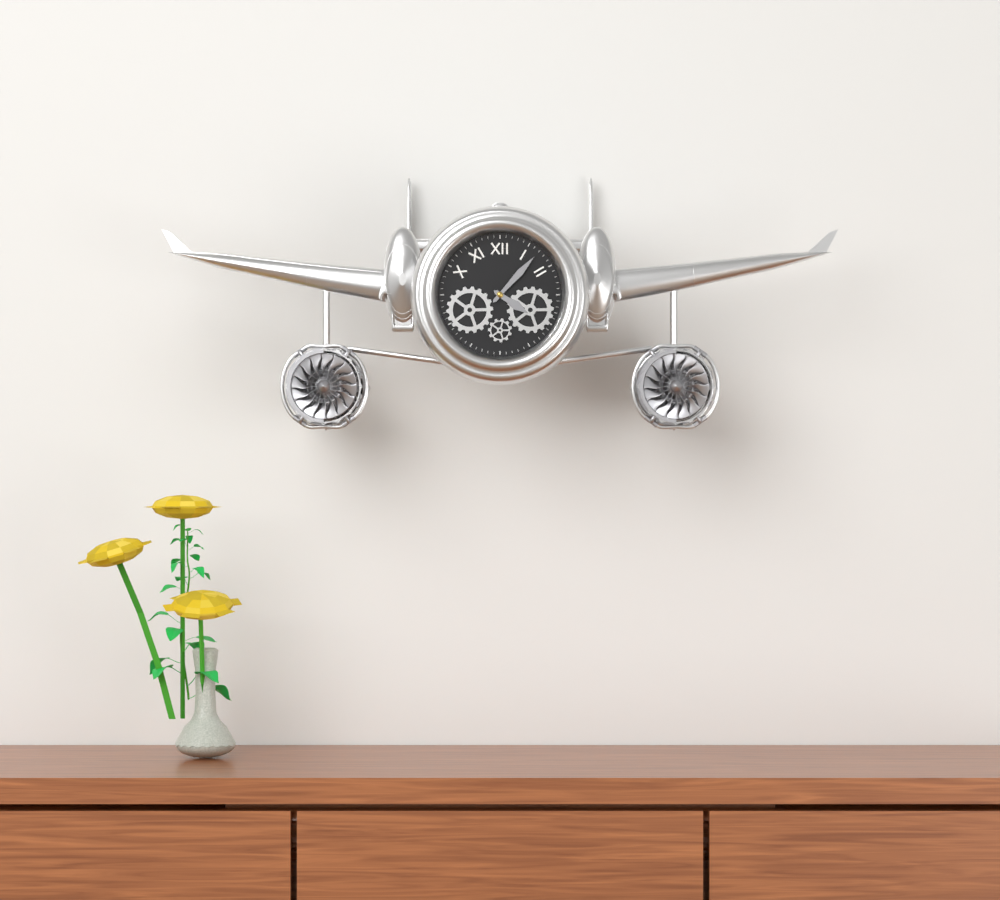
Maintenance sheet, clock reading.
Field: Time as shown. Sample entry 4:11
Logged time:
4:07
